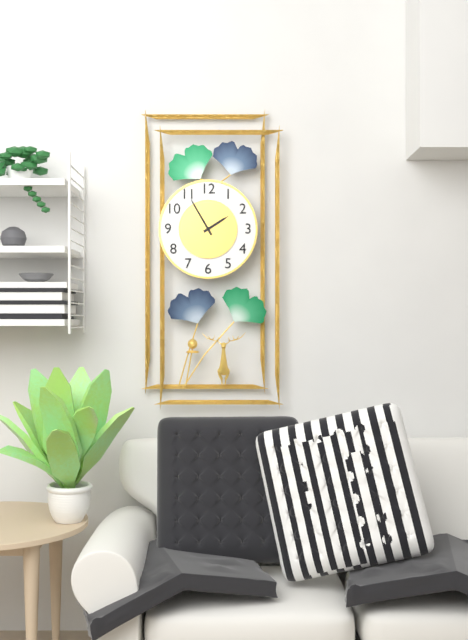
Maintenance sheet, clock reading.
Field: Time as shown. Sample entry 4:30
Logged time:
1:55
